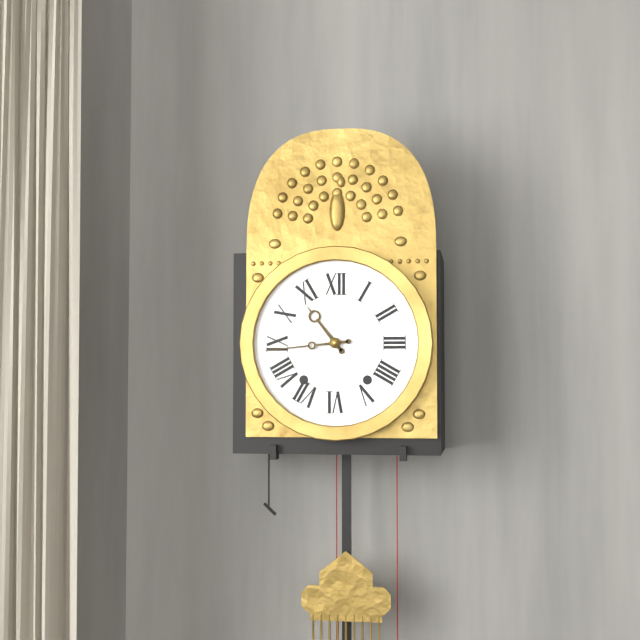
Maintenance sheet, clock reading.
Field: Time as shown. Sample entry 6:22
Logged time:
10:44
